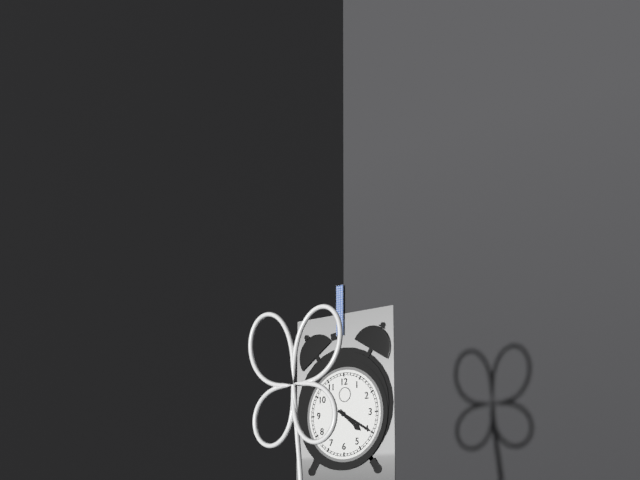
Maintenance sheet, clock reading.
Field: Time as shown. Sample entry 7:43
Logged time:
4:20
